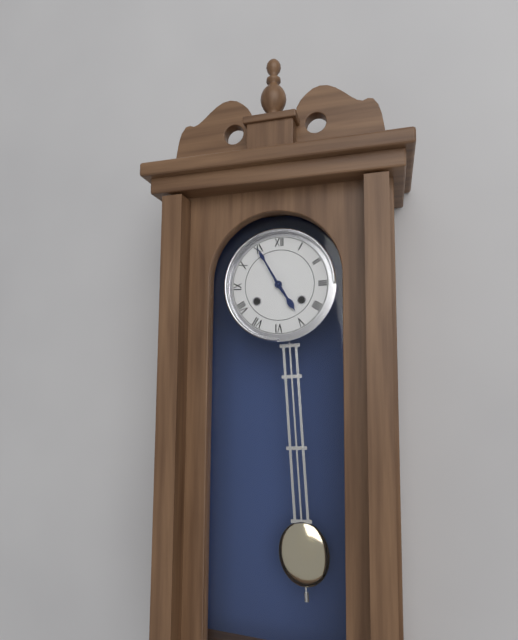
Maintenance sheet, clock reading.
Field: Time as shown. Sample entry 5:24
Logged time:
4:55
